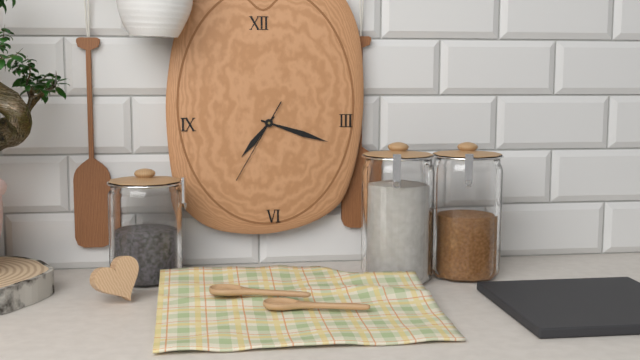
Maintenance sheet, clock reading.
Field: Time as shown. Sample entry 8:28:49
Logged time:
7:18:35
